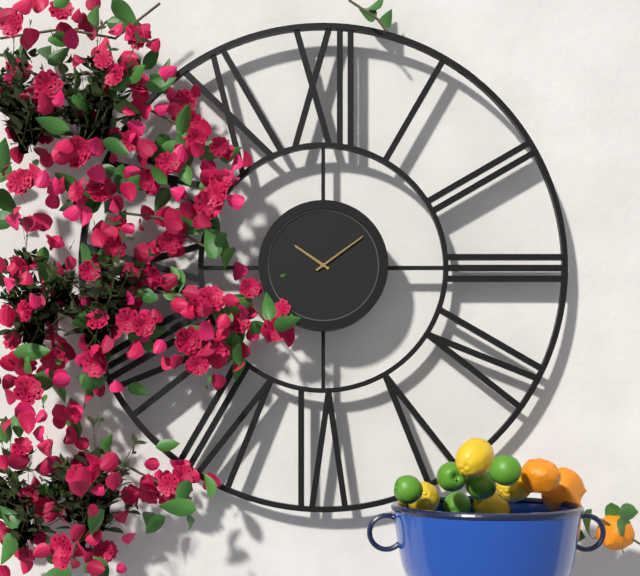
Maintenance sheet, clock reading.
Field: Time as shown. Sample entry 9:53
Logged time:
10:09
